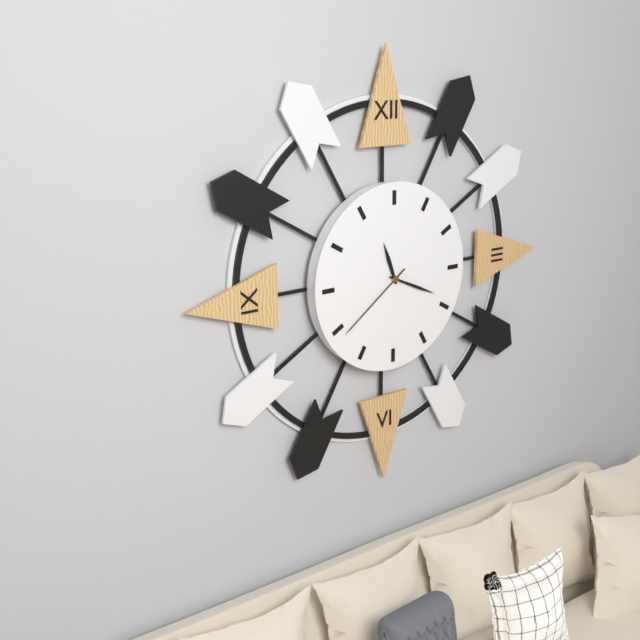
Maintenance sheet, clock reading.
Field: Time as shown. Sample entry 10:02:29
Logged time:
11:19:39
